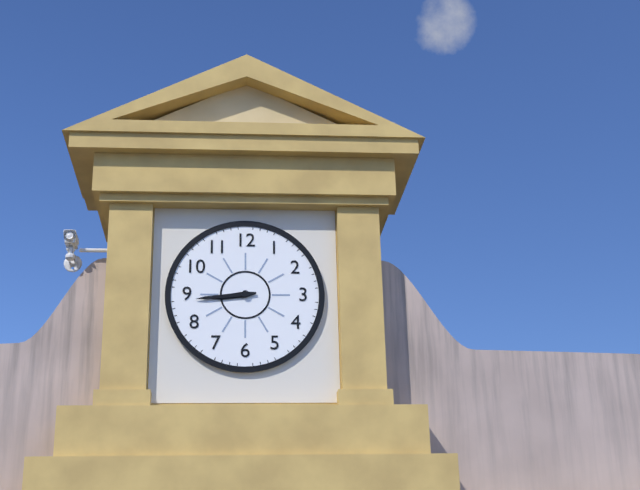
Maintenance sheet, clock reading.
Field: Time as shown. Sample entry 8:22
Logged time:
8:44
